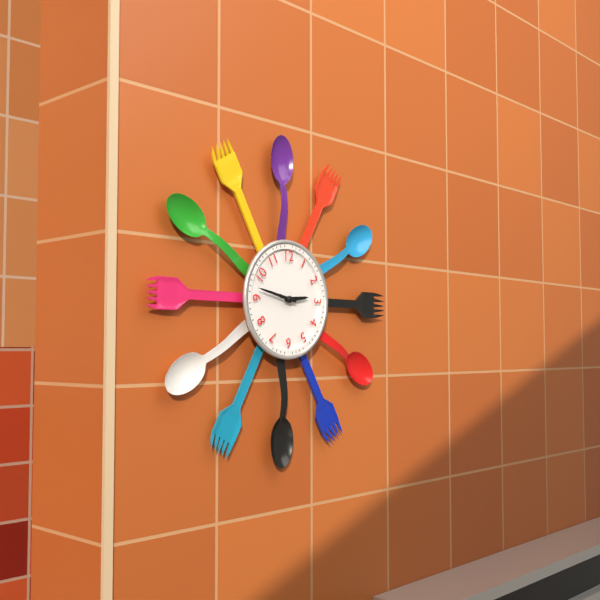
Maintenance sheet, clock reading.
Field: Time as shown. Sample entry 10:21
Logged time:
2:47
